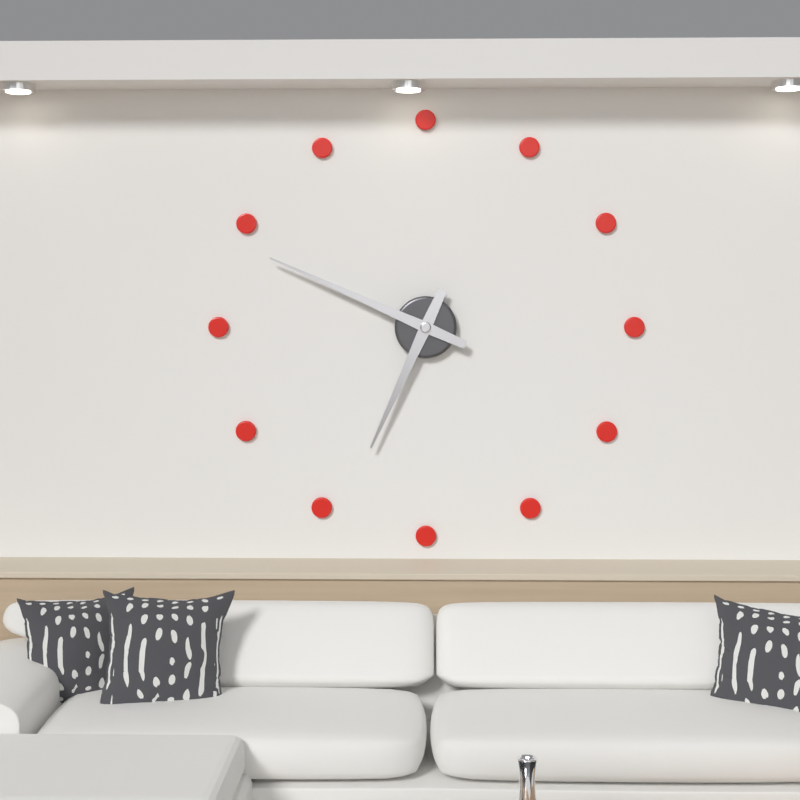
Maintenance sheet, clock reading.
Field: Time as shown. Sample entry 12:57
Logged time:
6:49
